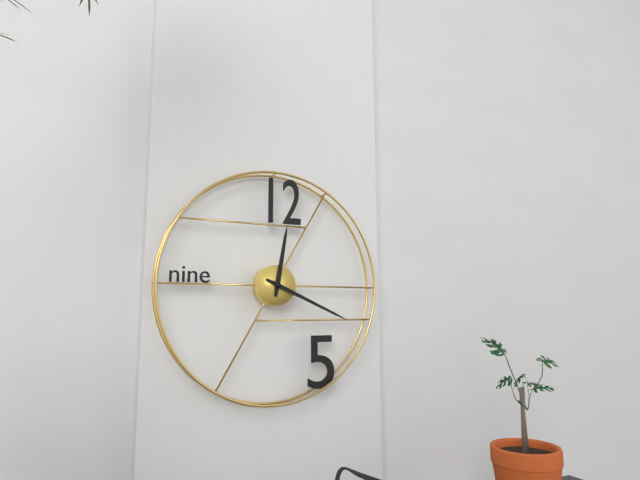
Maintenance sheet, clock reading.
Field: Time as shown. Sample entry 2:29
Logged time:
12:19
